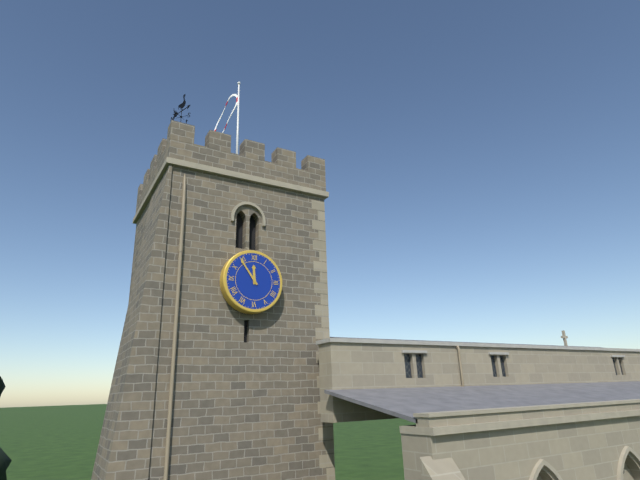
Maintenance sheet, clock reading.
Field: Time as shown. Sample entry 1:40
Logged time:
11:54
